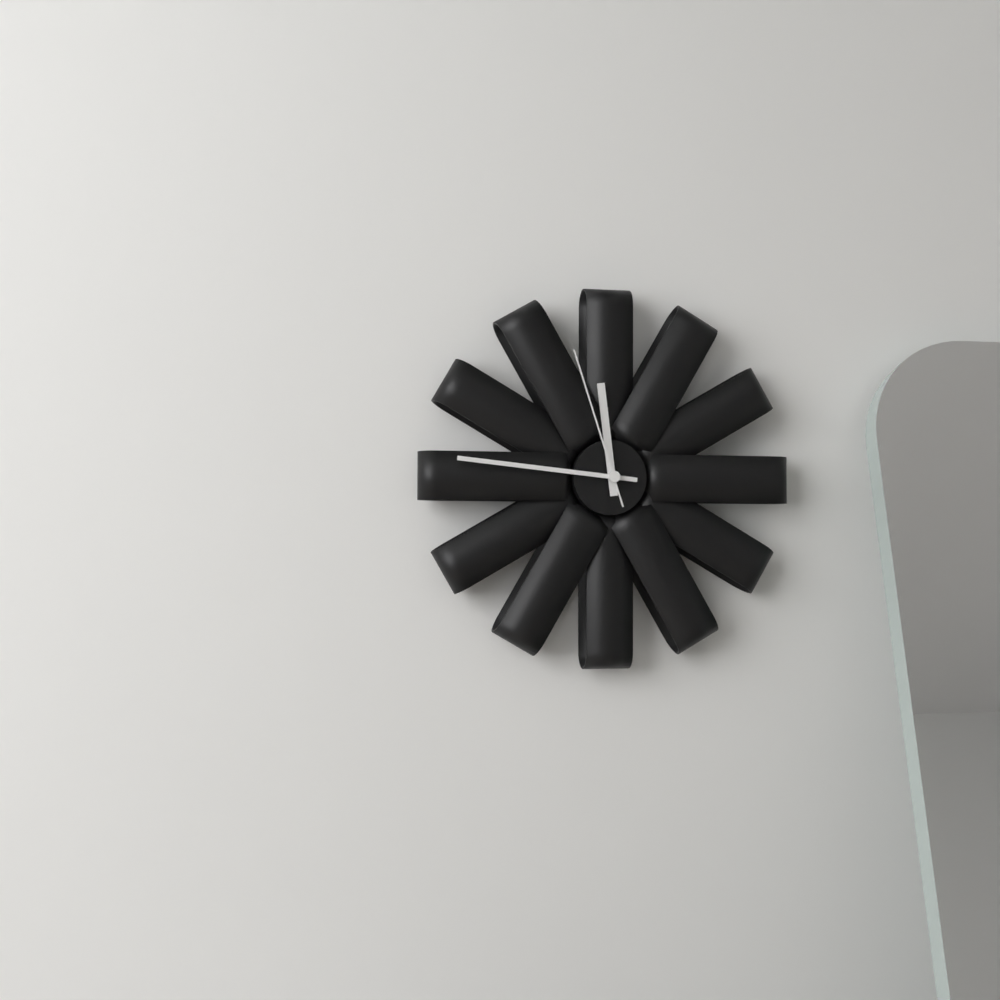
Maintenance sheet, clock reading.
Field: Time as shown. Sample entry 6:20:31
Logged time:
11:46:57
